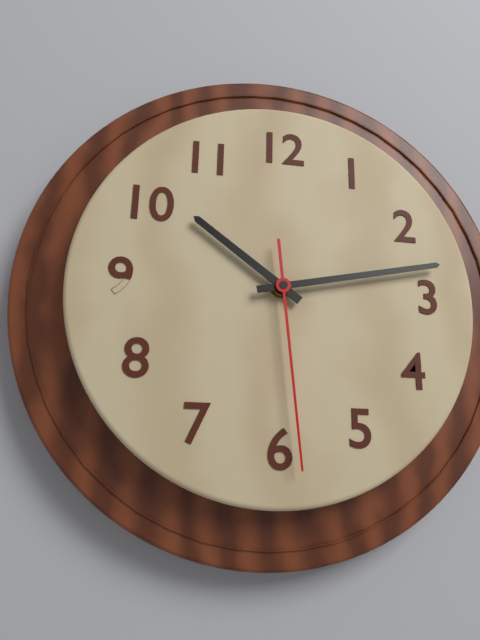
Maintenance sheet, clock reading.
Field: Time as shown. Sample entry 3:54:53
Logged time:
10:13:29
